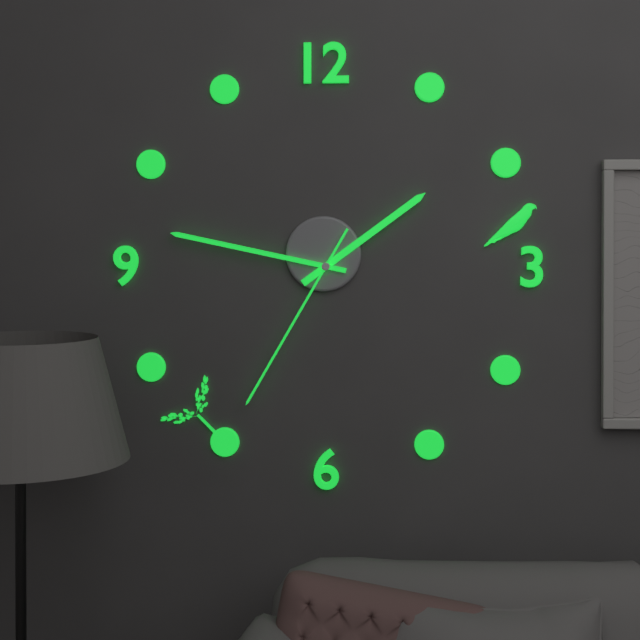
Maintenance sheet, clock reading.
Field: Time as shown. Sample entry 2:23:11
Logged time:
1:47:35
